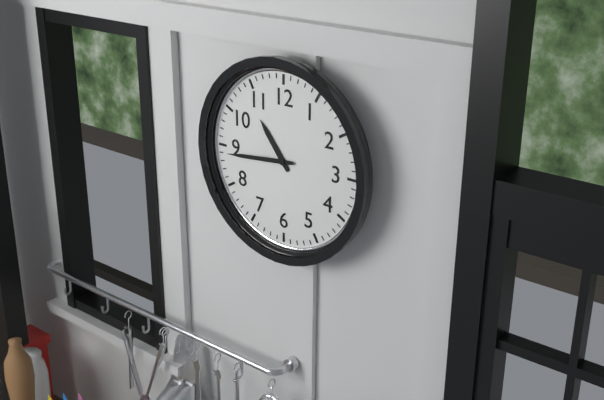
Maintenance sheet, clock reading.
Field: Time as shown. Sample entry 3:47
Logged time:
10:44
